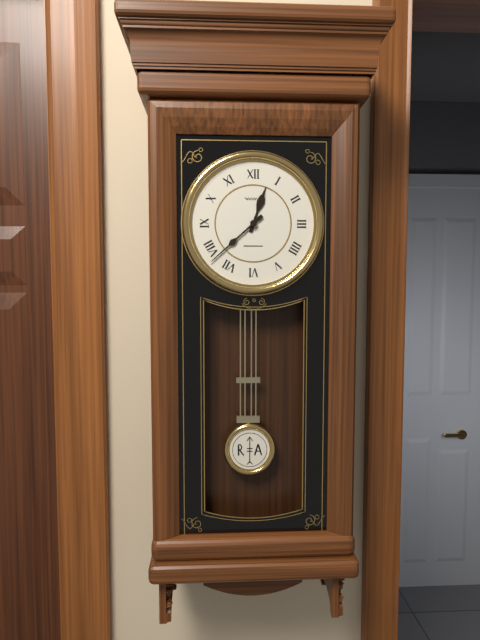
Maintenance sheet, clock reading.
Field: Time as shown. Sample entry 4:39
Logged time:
12:38
